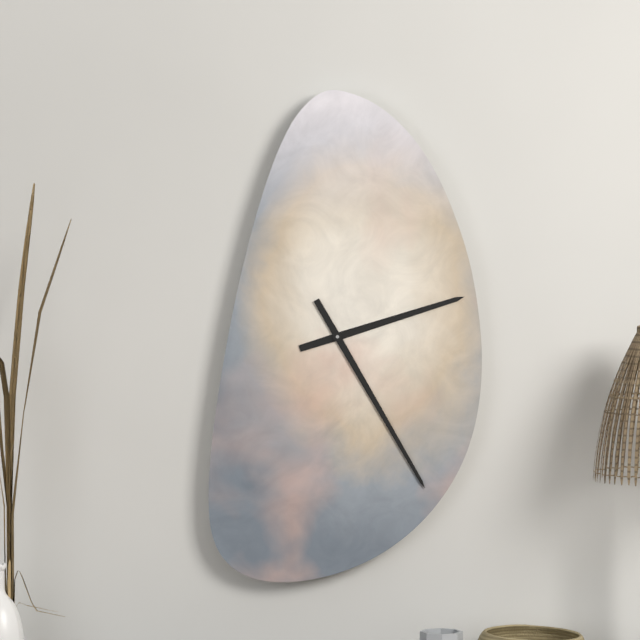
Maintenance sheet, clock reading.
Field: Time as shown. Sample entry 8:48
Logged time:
2:25
